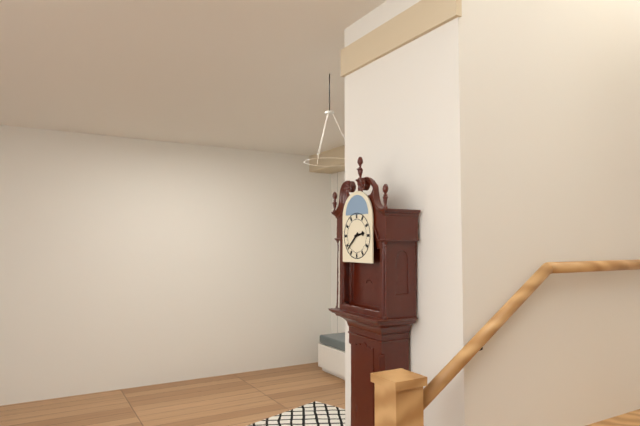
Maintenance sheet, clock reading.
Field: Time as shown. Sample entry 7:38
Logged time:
2:38
